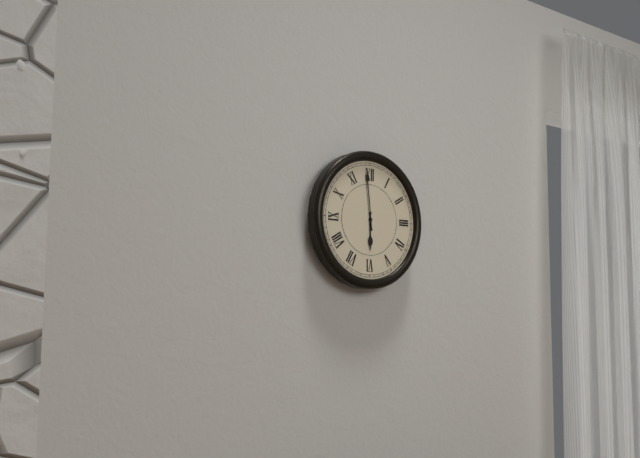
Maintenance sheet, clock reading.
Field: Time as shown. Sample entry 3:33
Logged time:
5:59
